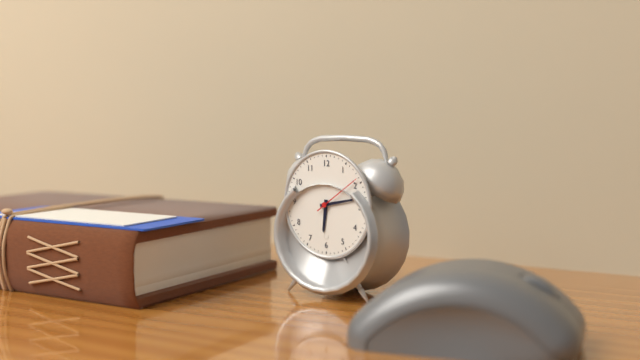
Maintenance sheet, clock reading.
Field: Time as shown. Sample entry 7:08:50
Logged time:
6:13:09
